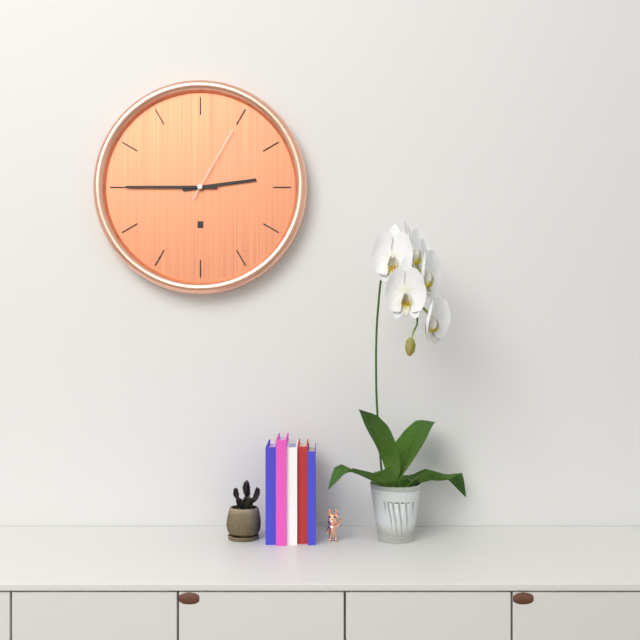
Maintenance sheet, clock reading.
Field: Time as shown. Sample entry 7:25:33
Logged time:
2:45:05
